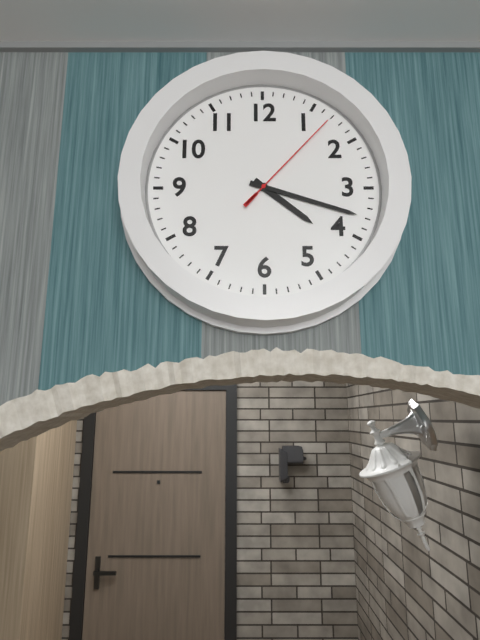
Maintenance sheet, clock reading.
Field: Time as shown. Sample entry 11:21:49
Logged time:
4:18:07
